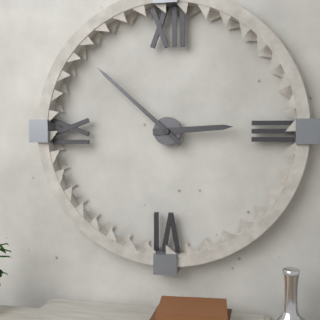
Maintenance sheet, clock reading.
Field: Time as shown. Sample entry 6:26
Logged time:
2:52
